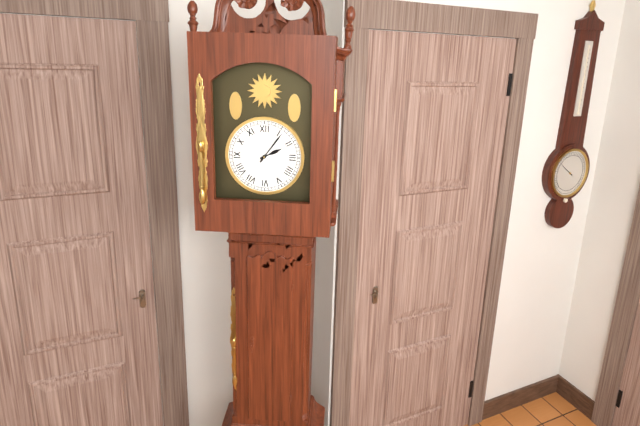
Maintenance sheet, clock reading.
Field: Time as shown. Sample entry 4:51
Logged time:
2:06
